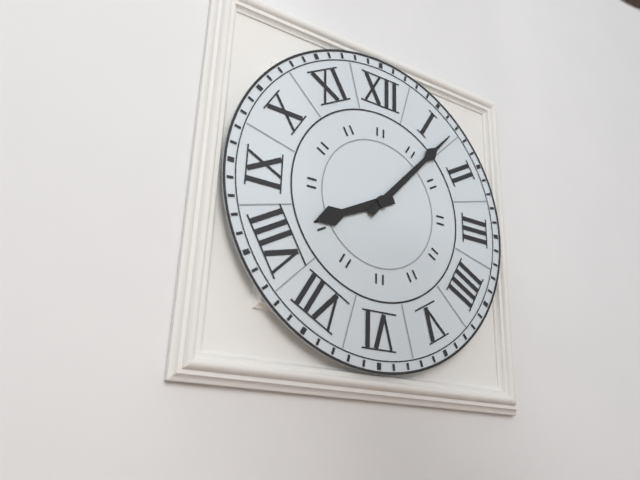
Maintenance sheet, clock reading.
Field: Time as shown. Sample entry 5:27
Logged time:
8:07
